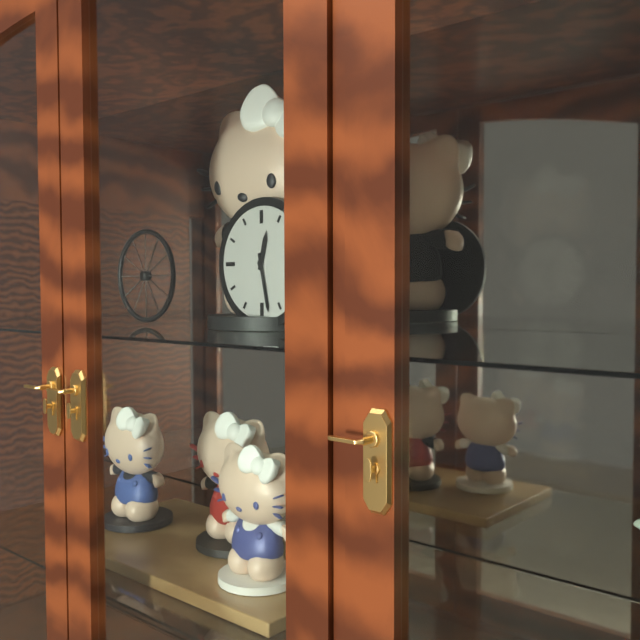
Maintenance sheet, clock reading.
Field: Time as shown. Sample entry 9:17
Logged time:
12:28
